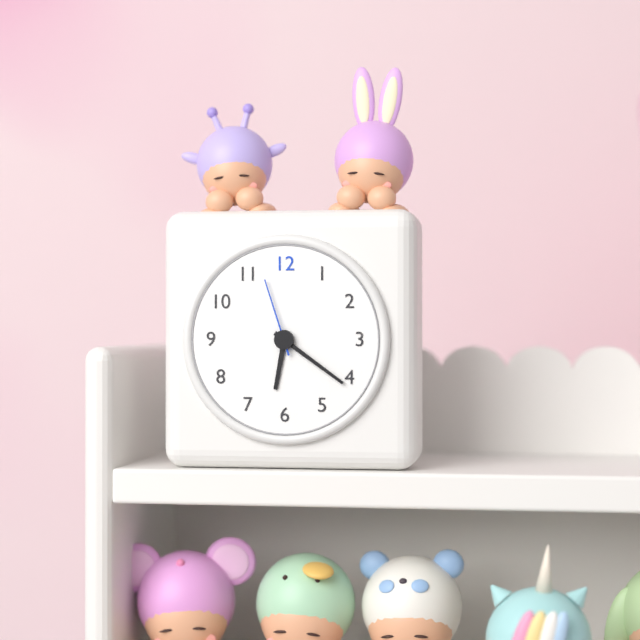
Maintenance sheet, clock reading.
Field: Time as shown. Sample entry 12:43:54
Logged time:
6:21:57
